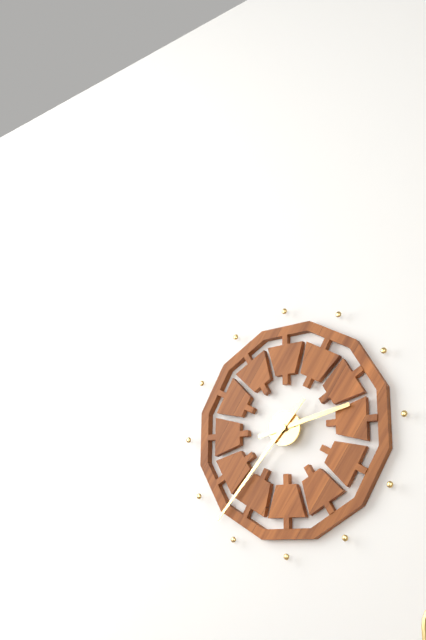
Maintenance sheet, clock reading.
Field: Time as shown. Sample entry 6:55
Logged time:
2:37
